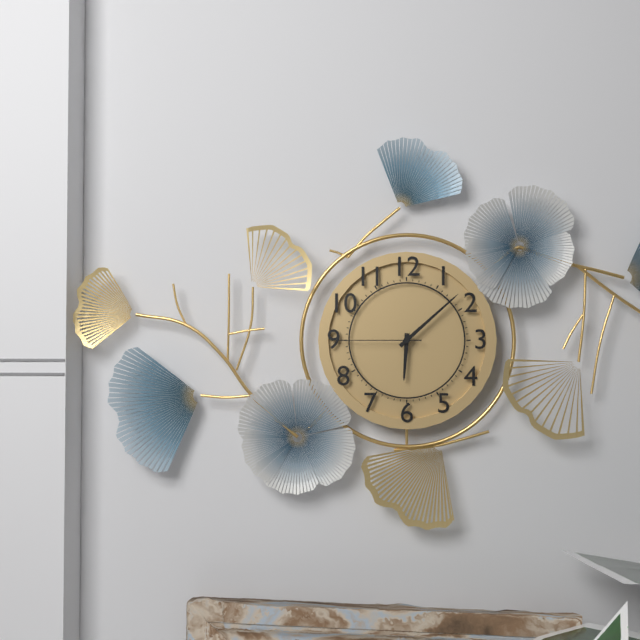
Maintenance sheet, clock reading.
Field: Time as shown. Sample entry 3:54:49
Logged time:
6:08:45
